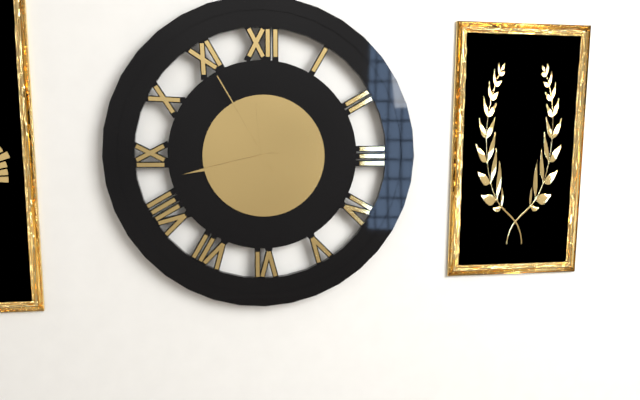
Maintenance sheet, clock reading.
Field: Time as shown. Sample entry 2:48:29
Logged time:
11:43:55
